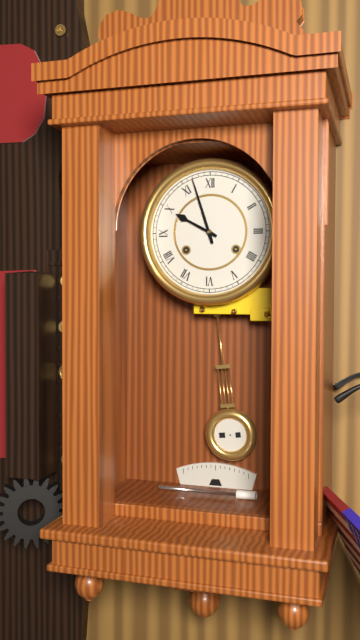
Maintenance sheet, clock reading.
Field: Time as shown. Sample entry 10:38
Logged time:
9:57
